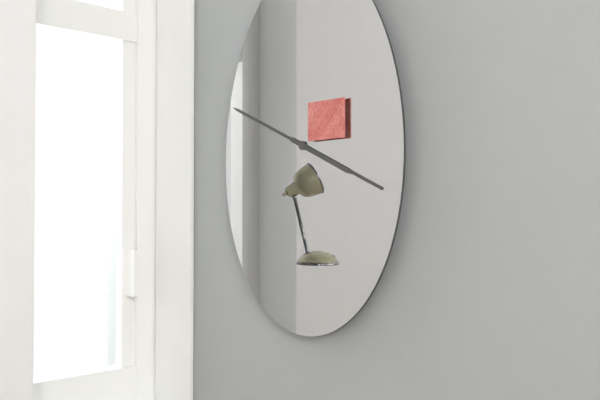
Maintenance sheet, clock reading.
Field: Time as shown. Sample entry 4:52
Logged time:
3:49
